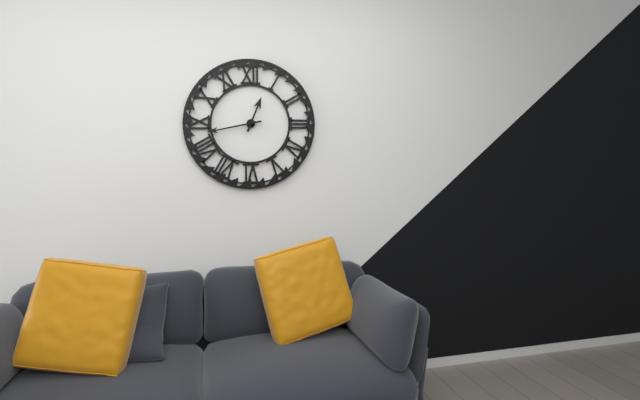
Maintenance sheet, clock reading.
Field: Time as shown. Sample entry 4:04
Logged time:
12:43
